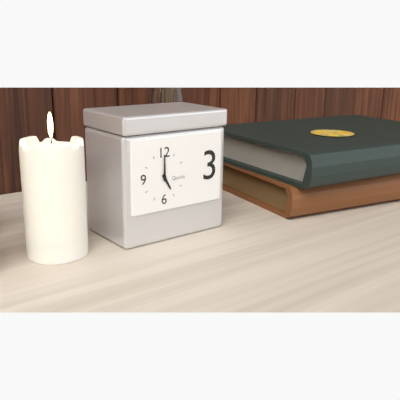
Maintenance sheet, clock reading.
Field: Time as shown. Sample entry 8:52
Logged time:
5:00
